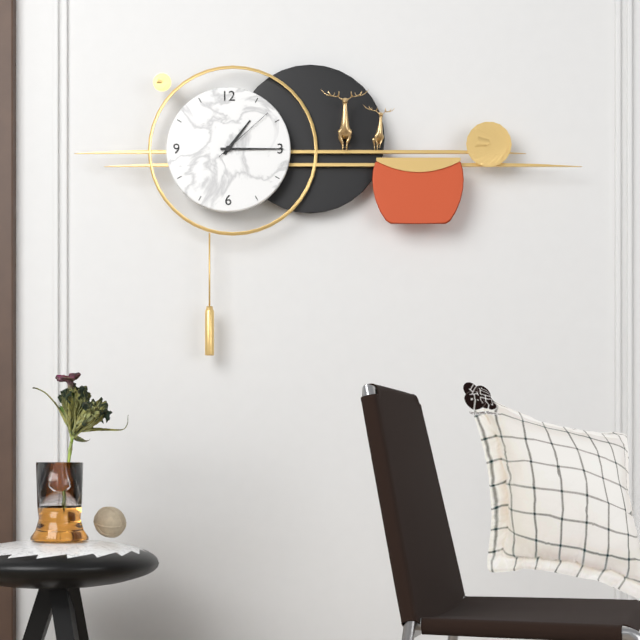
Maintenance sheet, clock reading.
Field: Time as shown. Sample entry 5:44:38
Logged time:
1:15:08
